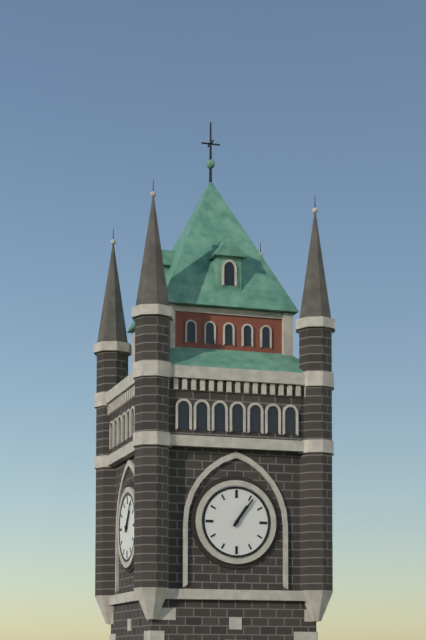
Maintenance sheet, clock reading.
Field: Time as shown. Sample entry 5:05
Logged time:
1:06
